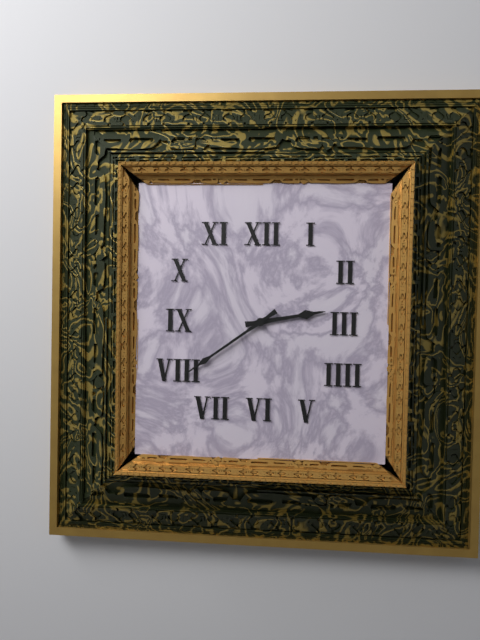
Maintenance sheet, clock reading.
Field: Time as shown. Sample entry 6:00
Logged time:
2:39
